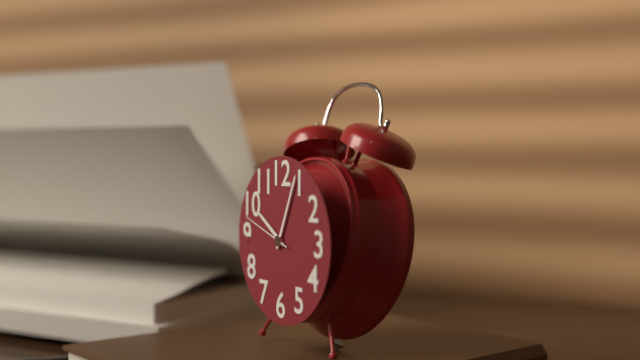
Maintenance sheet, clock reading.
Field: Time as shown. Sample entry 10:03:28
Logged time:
10:04:48
